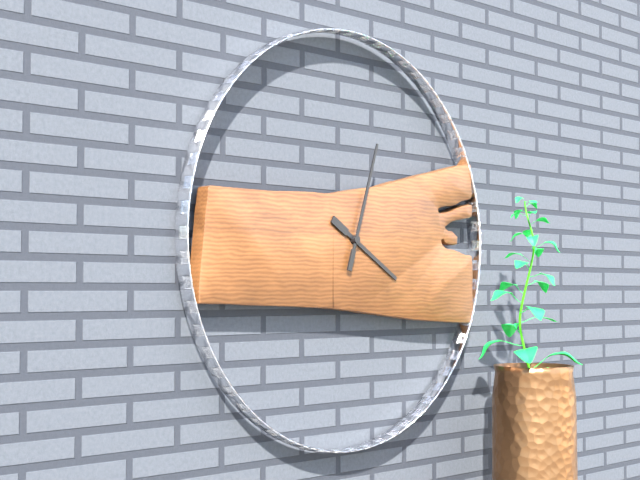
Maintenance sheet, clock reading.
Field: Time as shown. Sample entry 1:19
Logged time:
4:03
